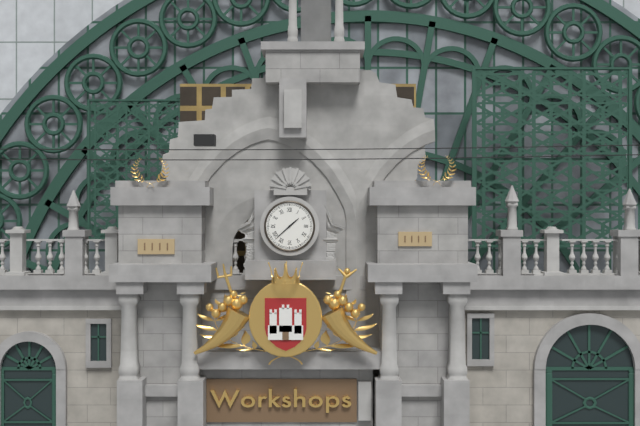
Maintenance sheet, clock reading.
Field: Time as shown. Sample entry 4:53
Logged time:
1:38
